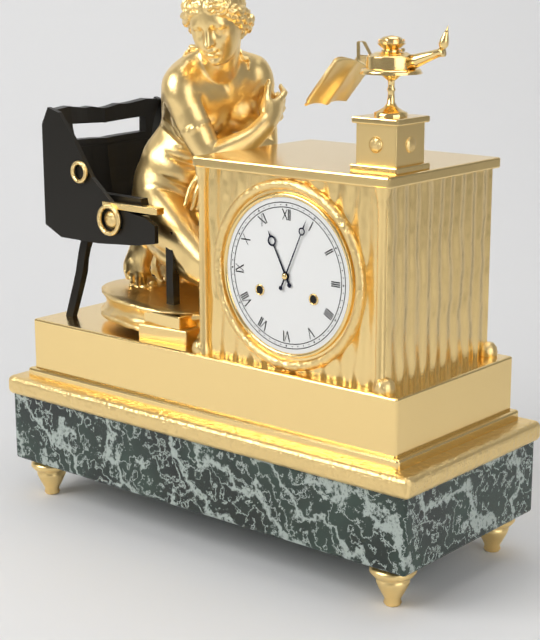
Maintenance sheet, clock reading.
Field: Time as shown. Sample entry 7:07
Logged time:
11:04
